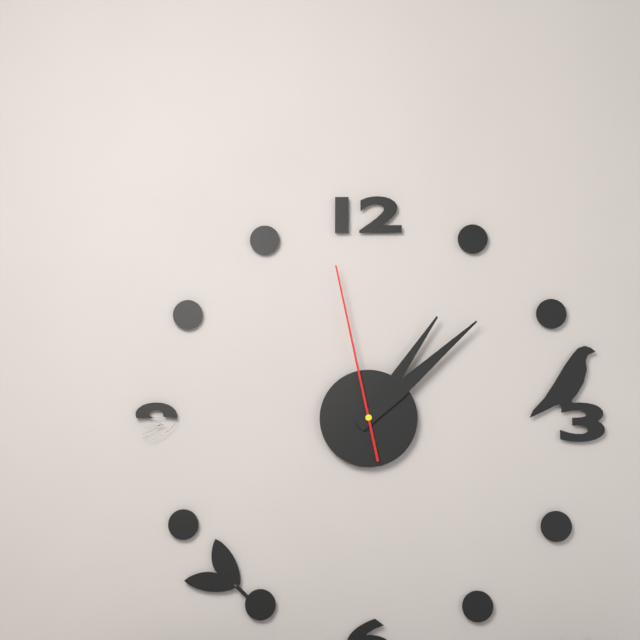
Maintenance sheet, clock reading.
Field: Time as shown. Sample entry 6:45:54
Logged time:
1:08:58
